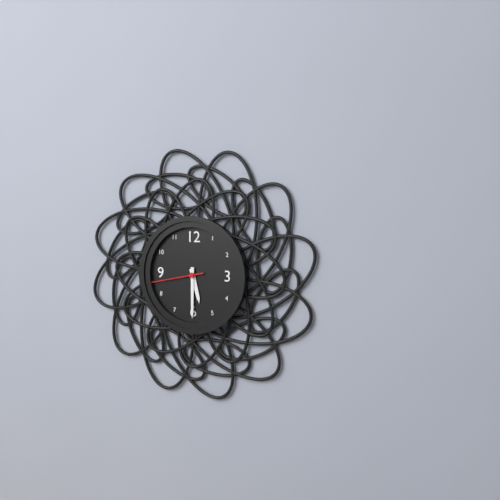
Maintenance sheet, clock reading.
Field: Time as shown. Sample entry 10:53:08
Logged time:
5:30:43
